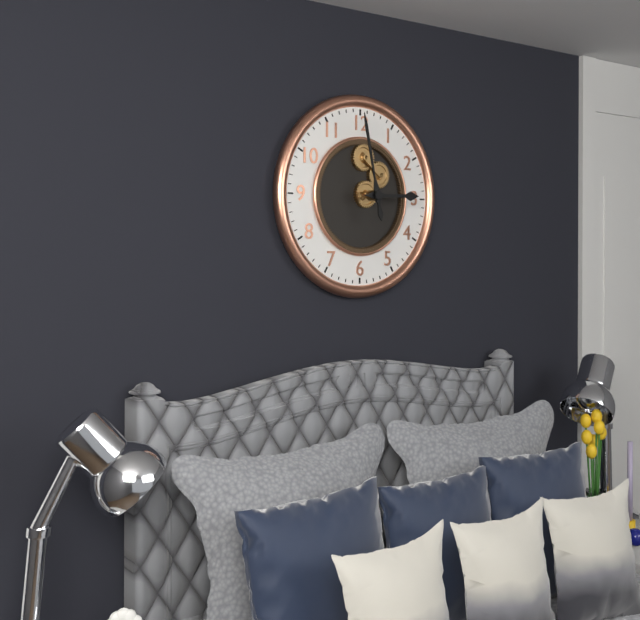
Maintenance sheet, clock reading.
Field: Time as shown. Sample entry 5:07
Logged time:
2:58
